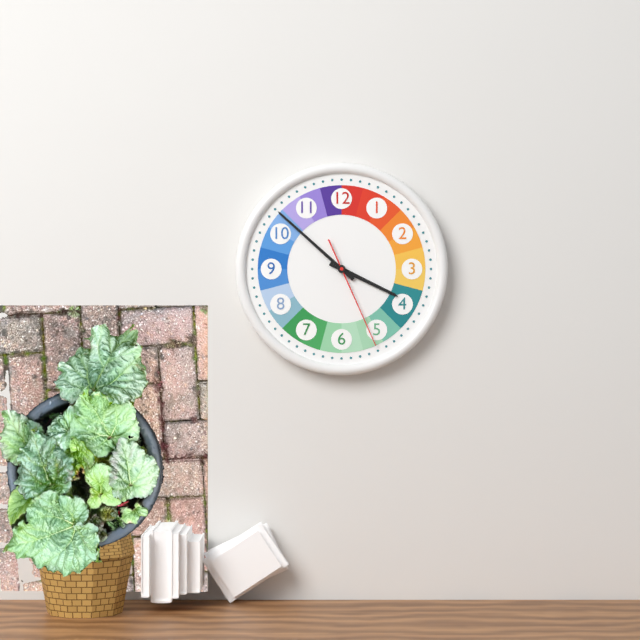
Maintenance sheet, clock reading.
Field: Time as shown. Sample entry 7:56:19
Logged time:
3:52:26
